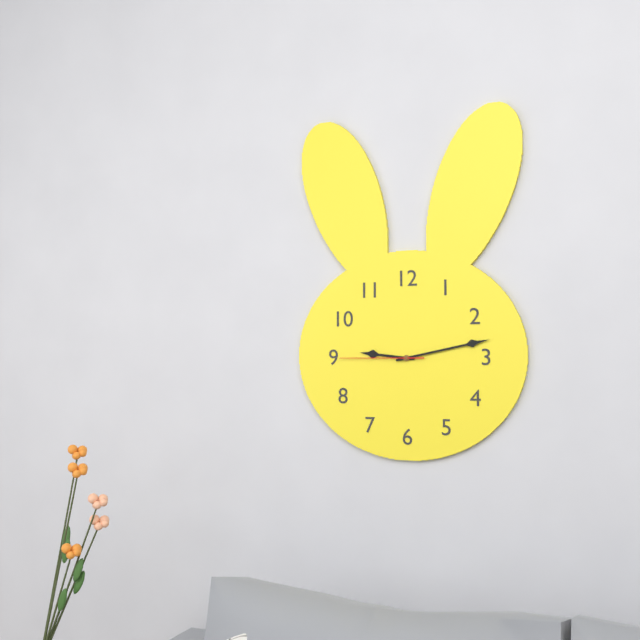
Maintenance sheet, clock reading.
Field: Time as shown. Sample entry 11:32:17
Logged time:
9:13:45
